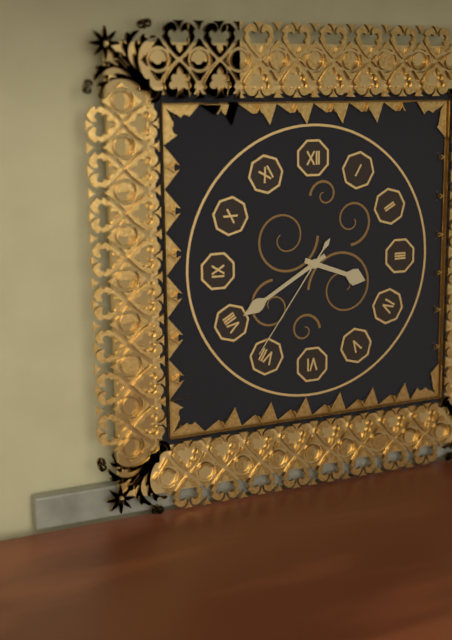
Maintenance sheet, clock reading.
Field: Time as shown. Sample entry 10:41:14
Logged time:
3:40:36
